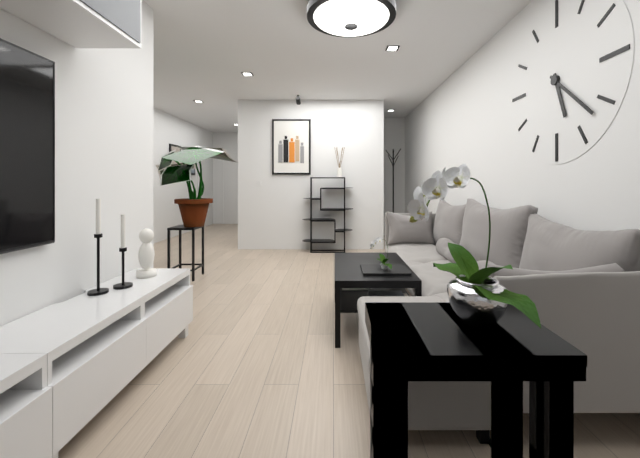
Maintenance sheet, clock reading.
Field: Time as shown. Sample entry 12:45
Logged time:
5:22
